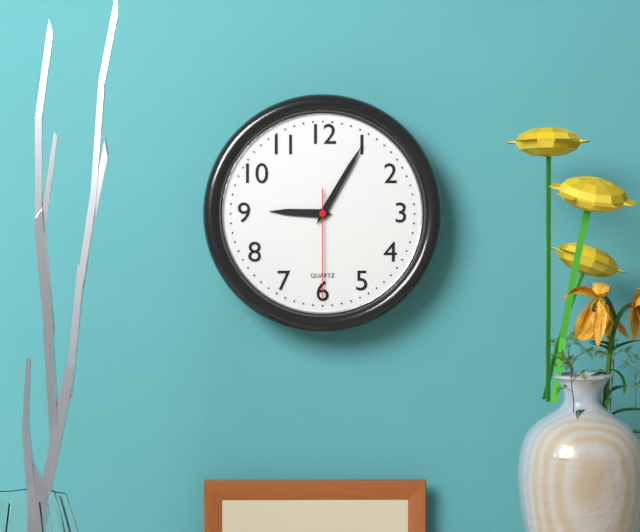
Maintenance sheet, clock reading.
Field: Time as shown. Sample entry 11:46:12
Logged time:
9:05:30
